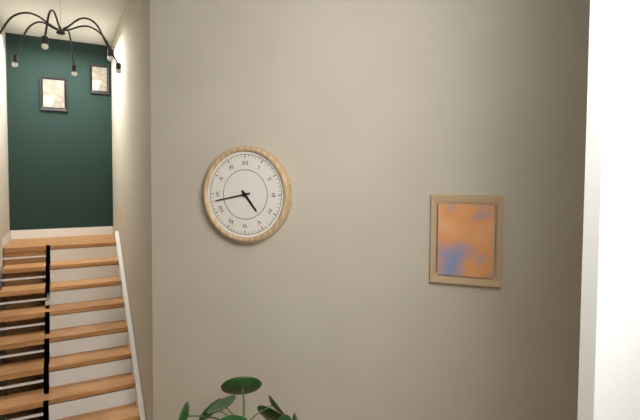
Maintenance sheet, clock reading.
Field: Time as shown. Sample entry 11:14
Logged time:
4:43
